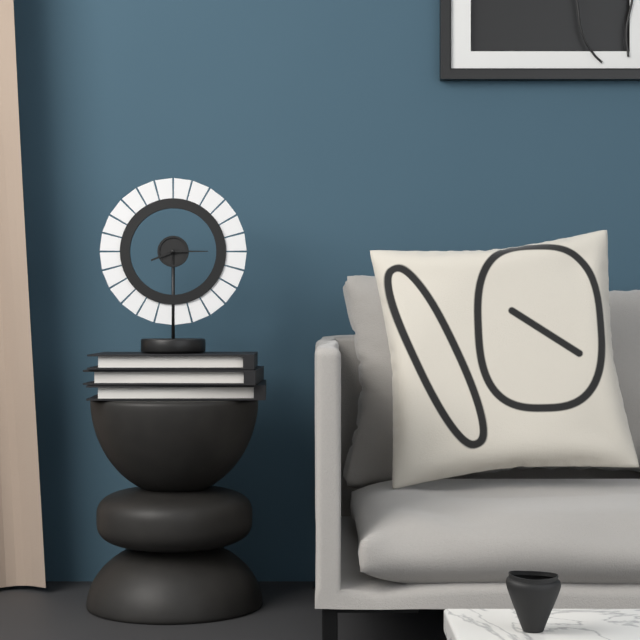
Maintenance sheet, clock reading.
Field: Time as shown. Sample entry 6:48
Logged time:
8:15
